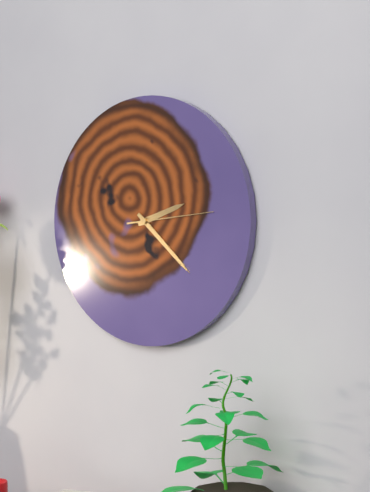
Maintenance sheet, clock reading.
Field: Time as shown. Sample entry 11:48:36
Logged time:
2:22:14
